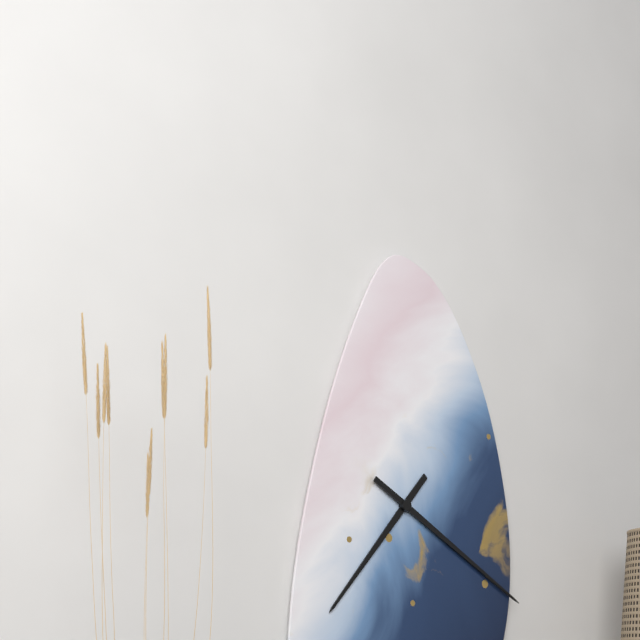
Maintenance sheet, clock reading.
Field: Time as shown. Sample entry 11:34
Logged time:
7:20
